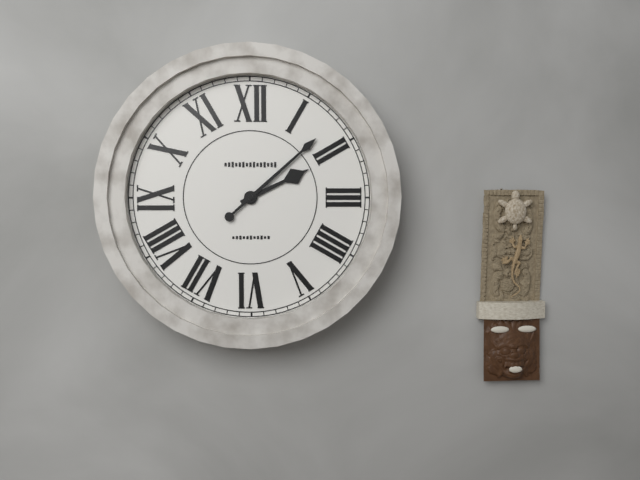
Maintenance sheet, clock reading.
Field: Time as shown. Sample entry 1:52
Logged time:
2:08
